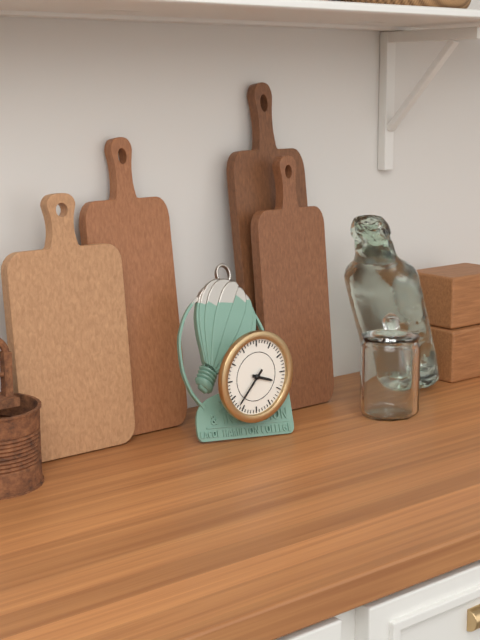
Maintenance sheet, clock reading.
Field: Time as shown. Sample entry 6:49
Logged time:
3:37
